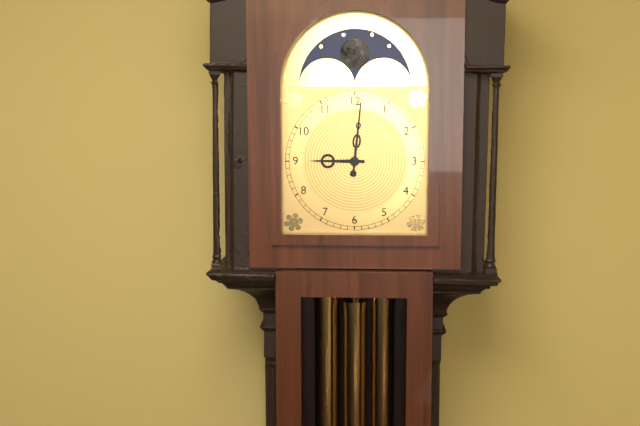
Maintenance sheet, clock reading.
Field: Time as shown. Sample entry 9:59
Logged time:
9:01
